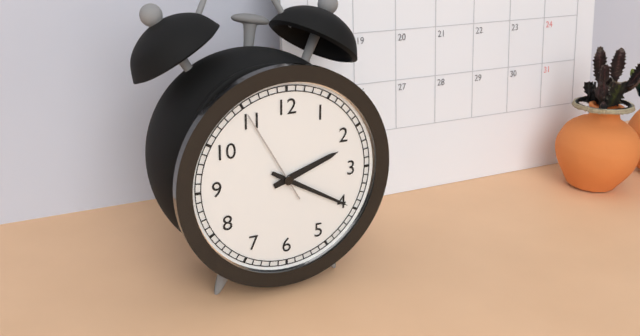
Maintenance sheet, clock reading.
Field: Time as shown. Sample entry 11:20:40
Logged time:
2:20:55
